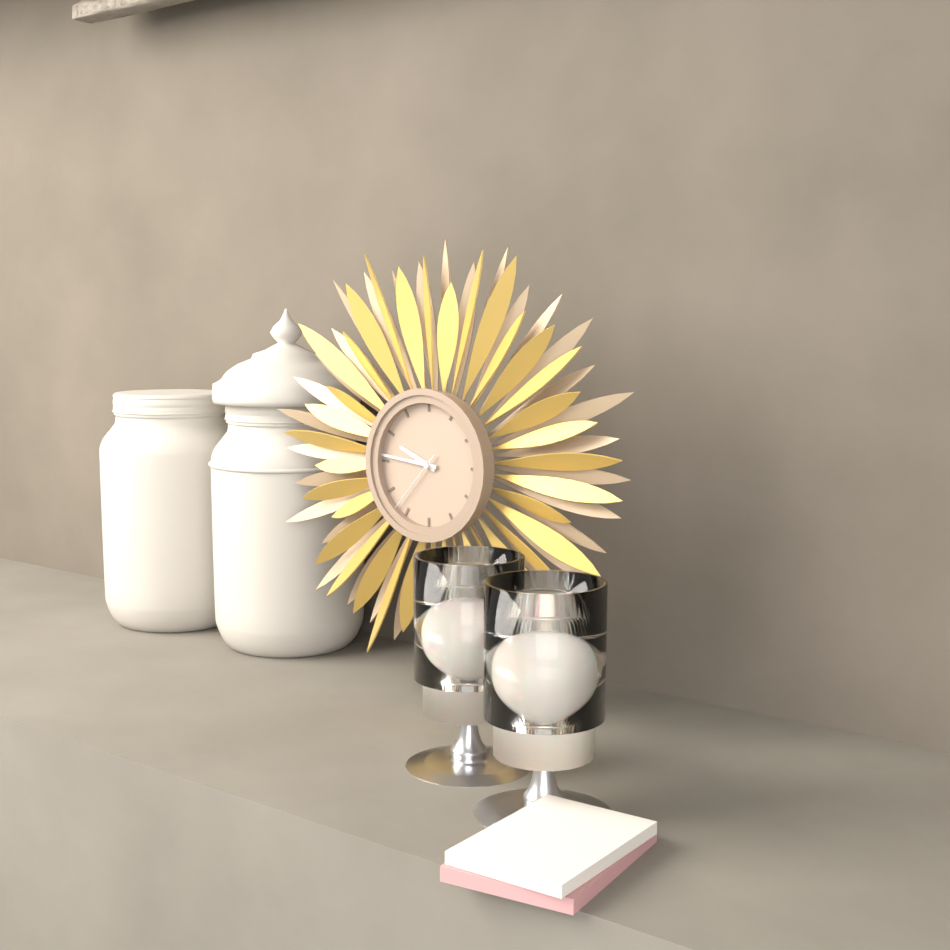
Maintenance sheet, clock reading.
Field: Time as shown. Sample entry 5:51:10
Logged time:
9:46:37
